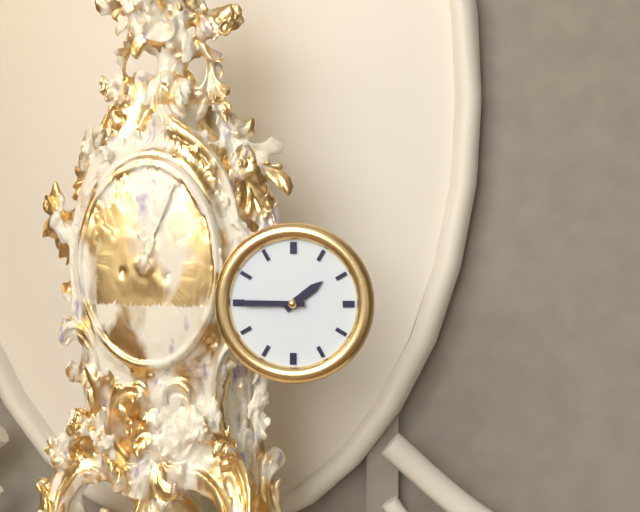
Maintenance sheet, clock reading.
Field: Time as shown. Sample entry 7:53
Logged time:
1:45
